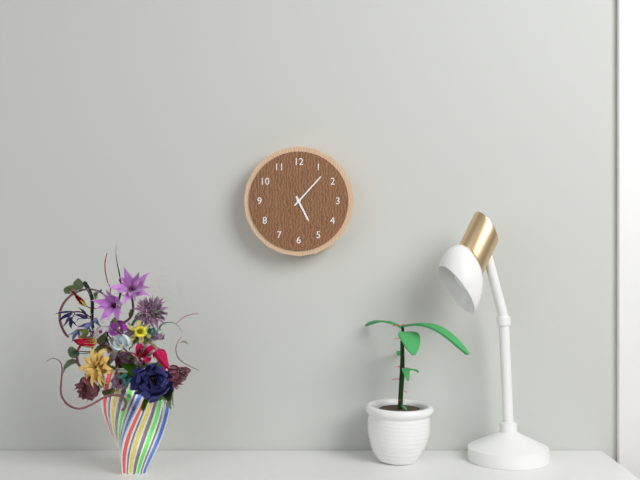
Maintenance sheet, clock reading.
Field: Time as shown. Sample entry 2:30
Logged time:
5:07
